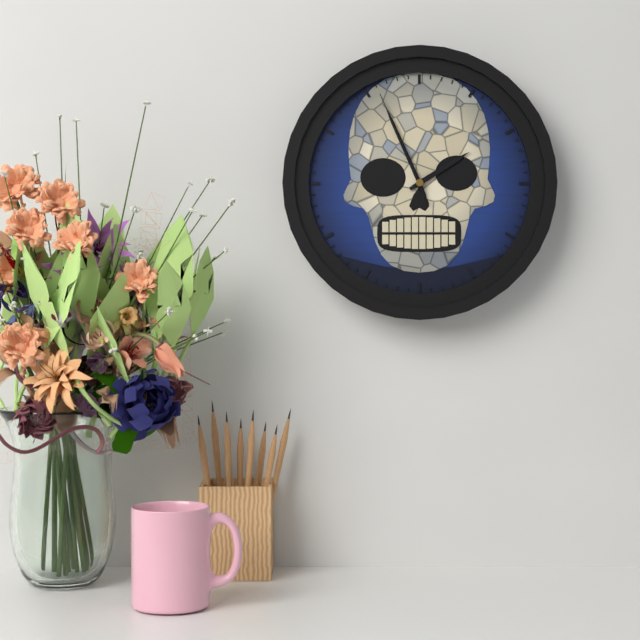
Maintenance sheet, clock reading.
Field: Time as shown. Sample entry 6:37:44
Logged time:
1:56:56
